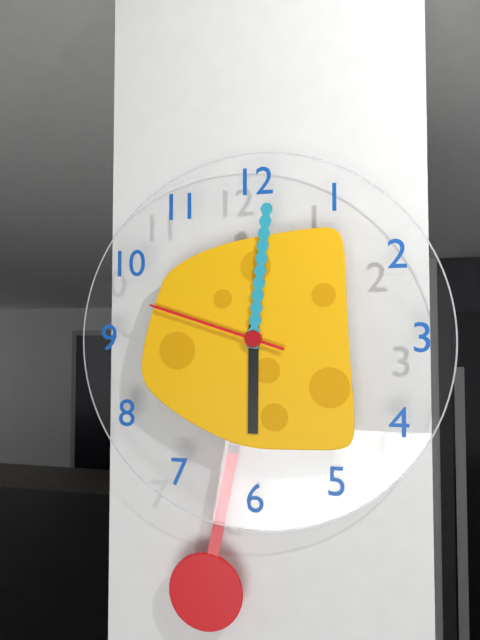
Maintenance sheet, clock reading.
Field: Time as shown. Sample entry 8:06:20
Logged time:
6:01:48
